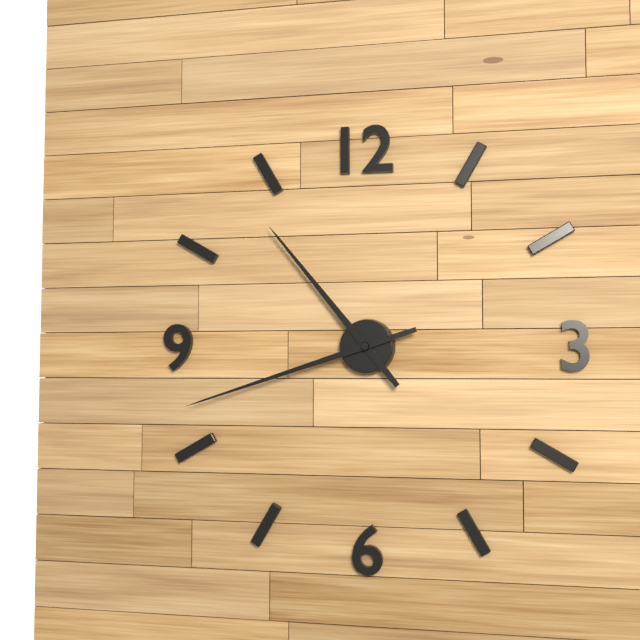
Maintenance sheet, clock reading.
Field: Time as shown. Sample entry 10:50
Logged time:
10:42
